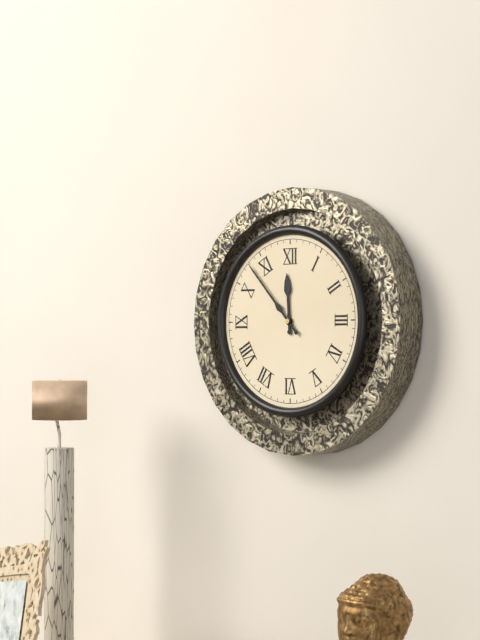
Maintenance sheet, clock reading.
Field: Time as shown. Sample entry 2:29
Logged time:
11:53
